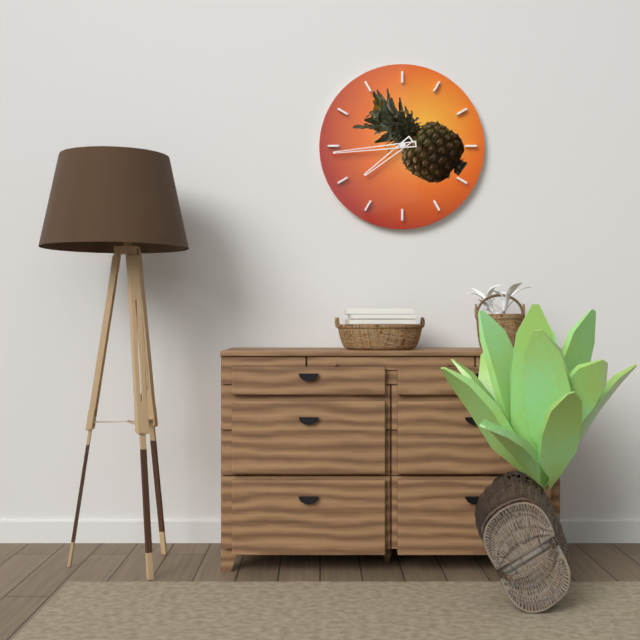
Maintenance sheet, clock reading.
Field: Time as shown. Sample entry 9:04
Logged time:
7:44
